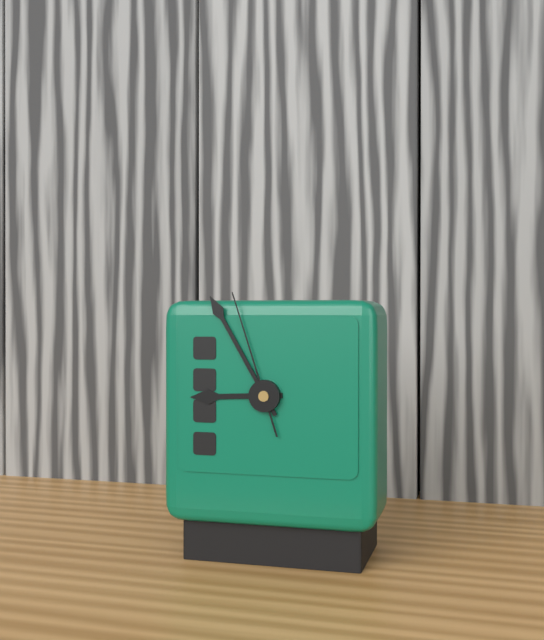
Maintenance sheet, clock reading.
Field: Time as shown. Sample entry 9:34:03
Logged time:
8:55:57
